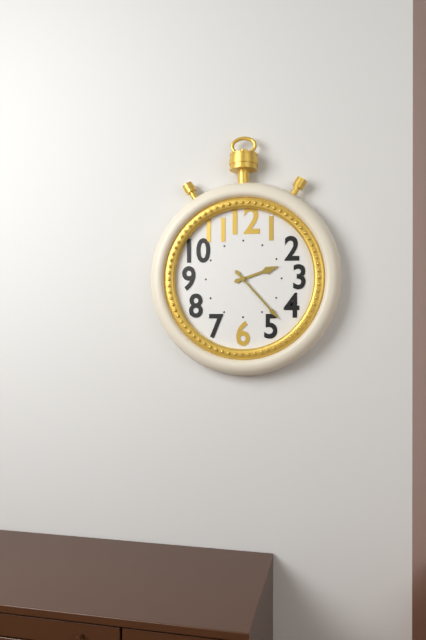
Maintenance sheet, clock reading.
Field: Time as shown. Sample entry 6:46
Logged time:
2:23
